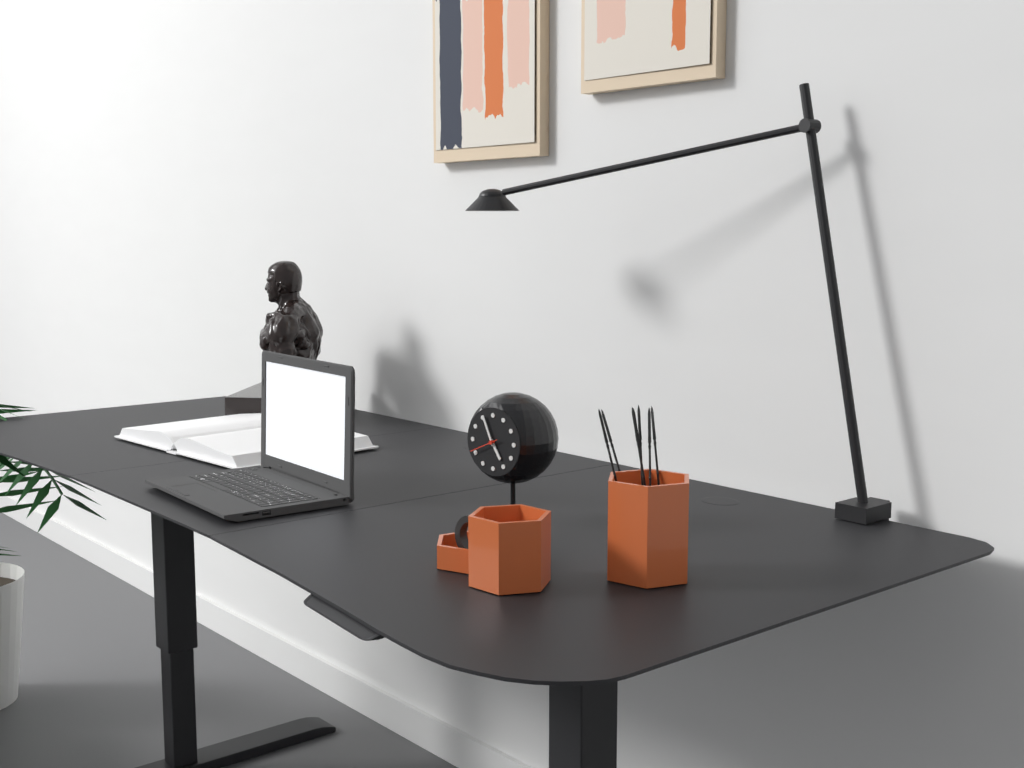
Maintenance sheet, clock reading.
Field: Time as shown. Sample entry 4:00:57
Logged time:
4:56:41
